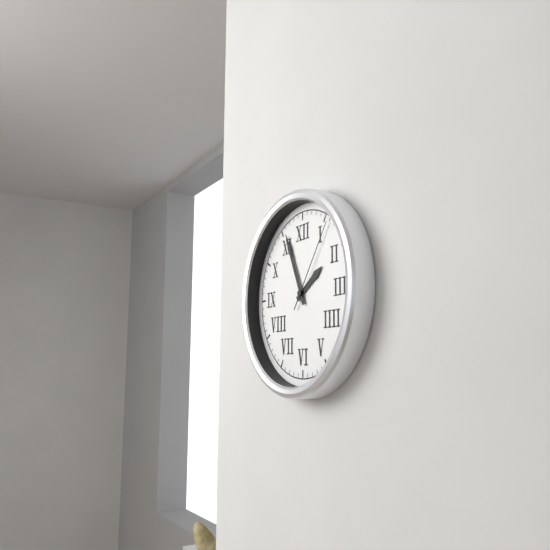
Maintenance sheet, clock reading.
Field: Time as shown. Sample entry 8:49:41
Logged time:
1:56:06
